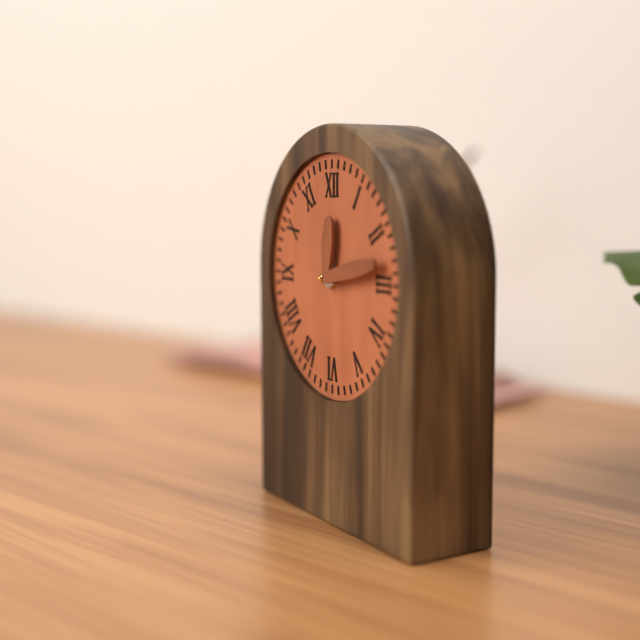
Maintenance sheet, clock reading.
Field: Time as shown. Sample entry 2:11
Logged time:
12:13
